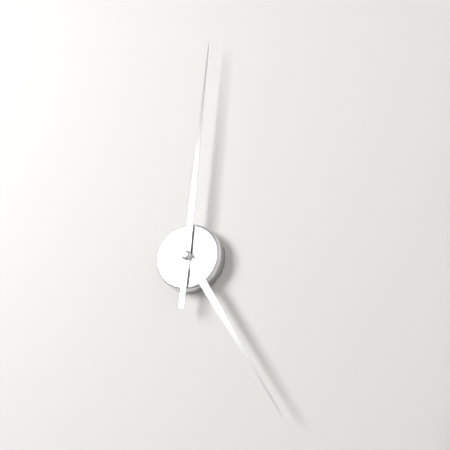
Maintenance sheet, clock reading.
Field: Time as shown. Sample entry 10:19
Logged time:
5:01
